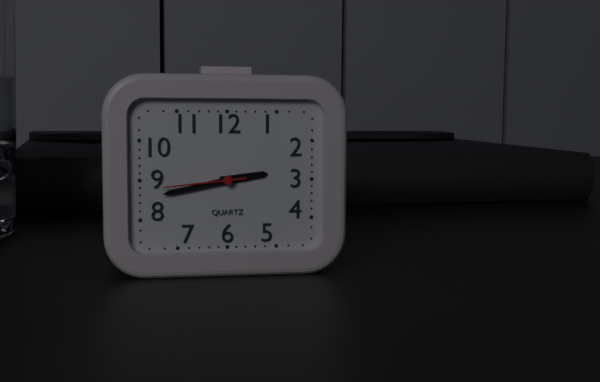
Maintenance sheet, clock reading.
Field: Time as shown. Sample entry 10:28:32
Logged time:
2:43:44
